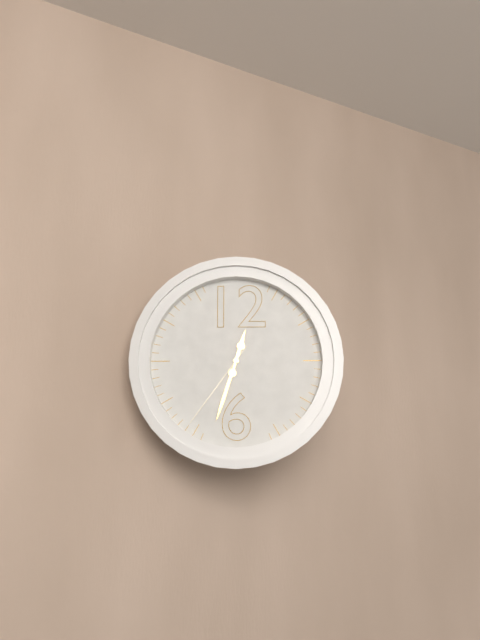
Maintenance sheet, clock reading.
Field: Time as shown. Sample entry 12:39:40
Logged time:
12:33:36
